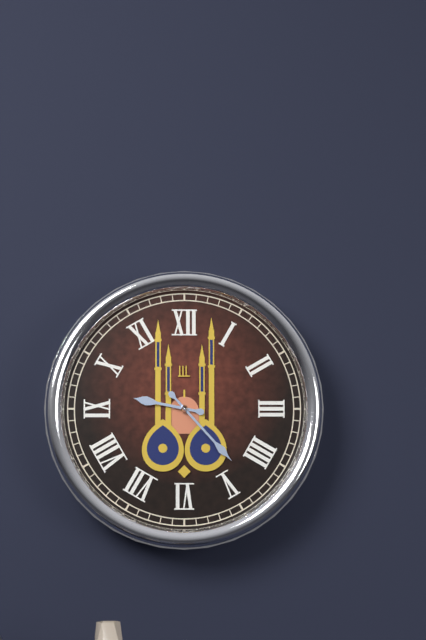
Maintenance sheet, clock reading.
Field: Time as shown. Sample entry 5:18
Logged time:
9:23
